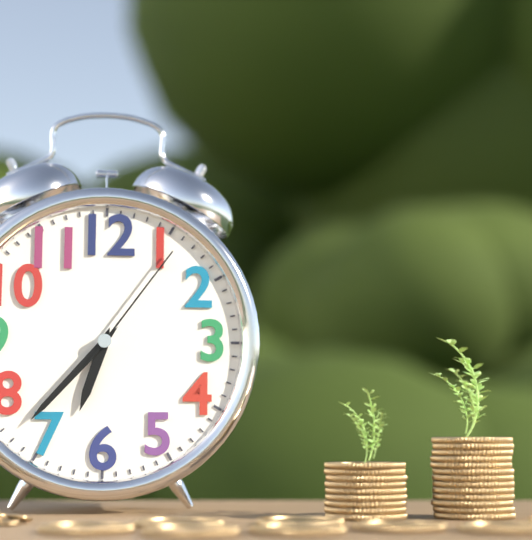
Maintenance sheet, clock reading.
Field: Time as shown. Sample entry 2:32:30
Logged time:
6:37:06
